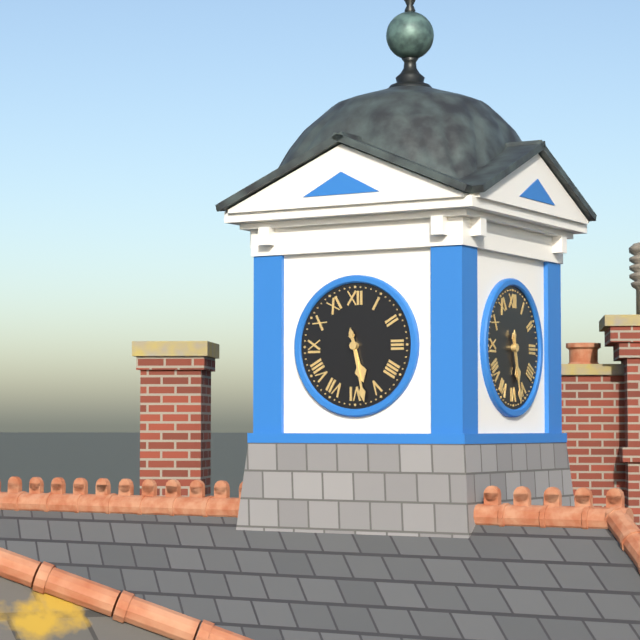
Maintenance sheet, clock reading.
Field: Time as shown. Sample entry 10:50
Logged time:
5:28
